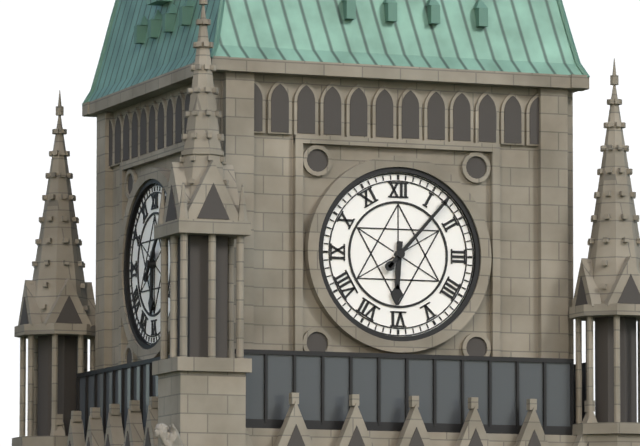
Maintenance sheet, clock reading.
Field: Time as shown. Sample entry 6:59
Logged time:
6:07
